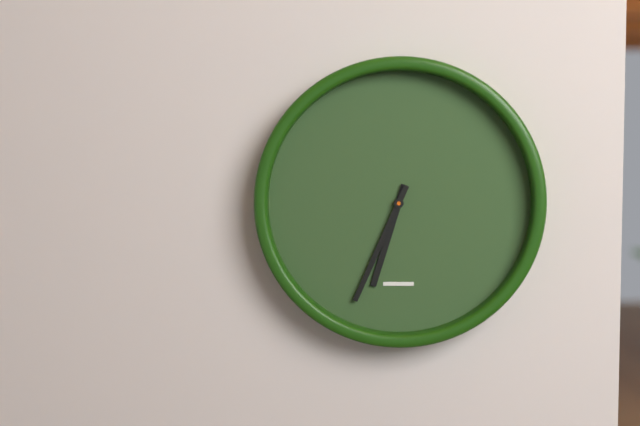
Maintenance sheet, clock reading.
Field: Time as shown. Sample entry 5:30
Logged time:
6:34
